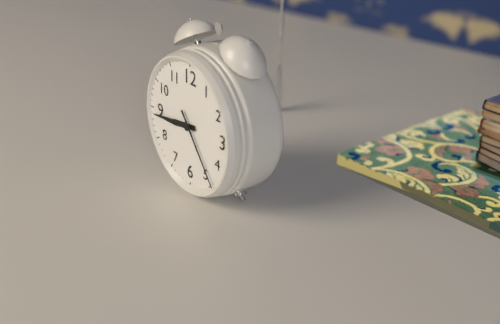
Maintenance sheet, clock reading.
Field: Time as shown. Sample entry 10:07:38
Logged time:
8:44:24
